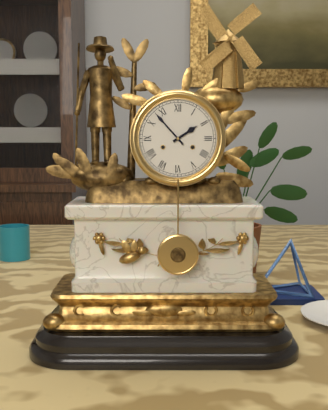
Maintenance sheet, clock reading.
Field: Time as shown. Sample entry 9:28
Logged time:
1:53
